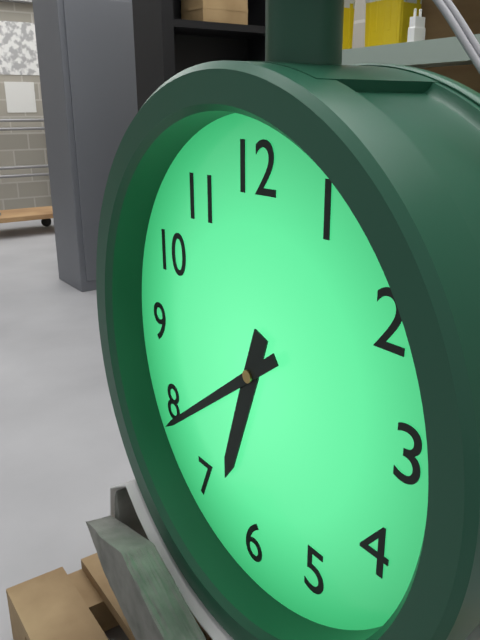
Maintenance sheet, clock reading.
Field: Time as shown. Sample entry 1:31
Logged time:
6:39
